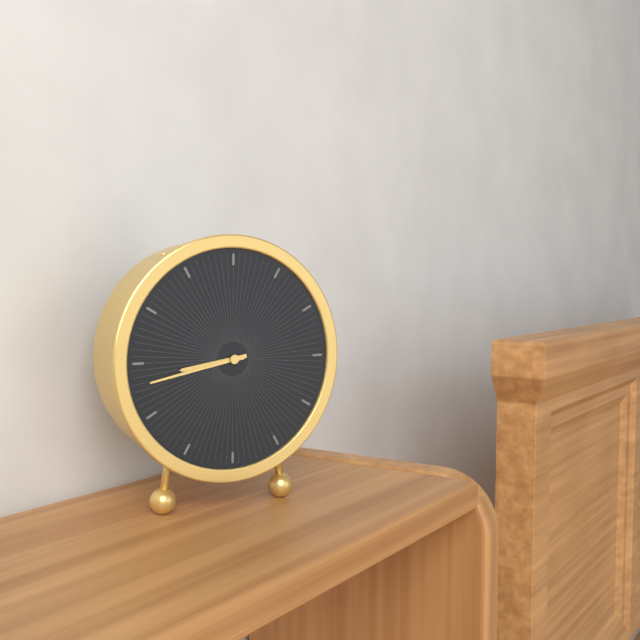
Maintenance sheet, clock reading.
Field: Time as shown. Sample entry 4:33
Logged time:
8:43
